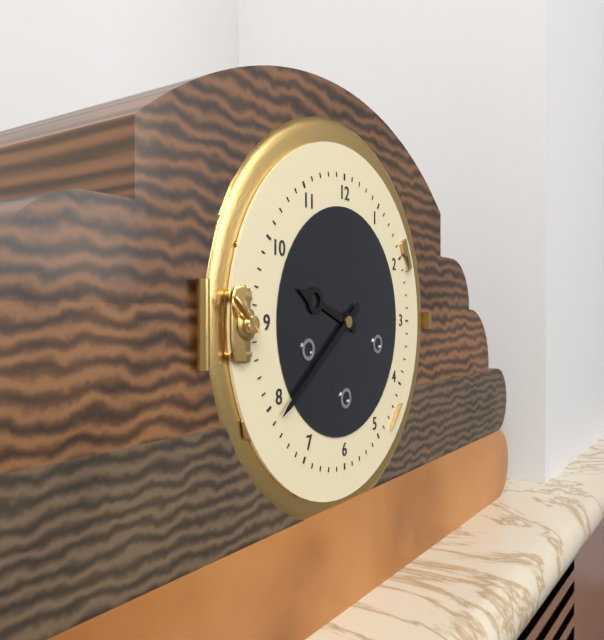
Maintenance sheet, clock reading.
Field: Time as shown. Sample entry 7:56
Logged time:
9:39
